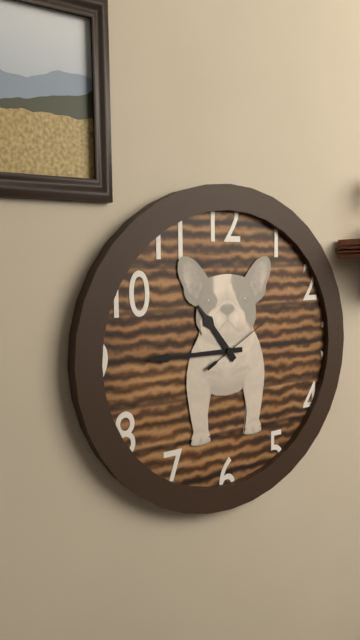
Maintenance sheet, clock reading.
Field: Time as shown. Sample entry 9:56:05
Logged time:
10:45:10
